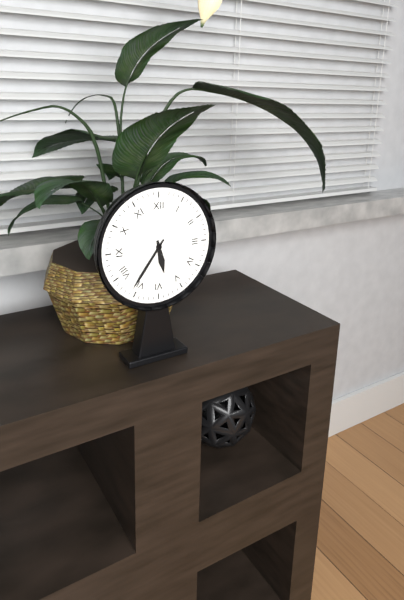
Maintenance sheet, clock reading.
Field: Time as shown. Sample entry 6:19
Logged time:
5:36
